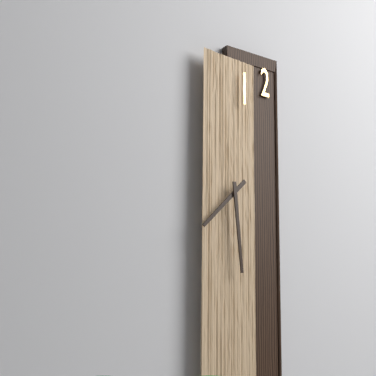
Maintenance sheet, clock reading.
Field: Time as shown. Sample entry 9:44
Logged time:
7:29
